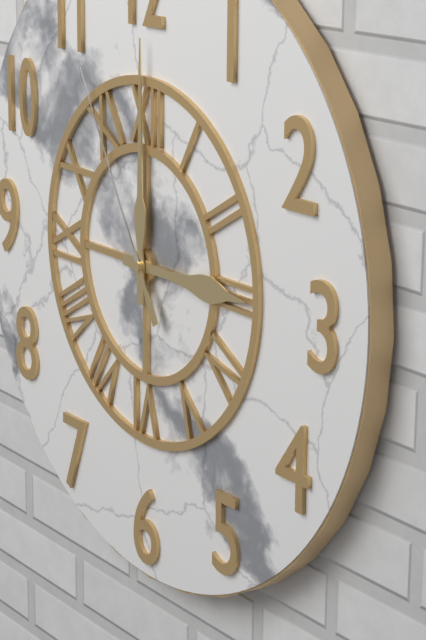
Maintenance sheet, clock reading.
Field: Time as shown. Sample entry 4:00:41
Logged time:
3:00:55
